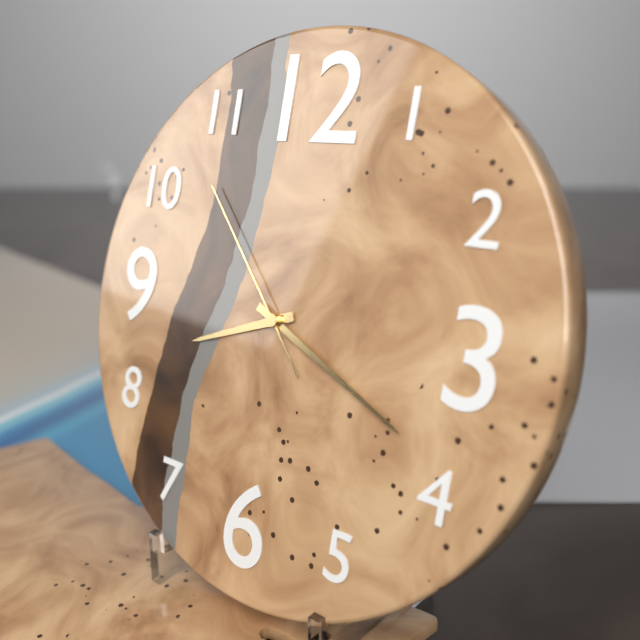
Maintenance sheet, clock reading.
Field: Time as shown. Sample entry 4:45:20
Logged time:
8:19:53
